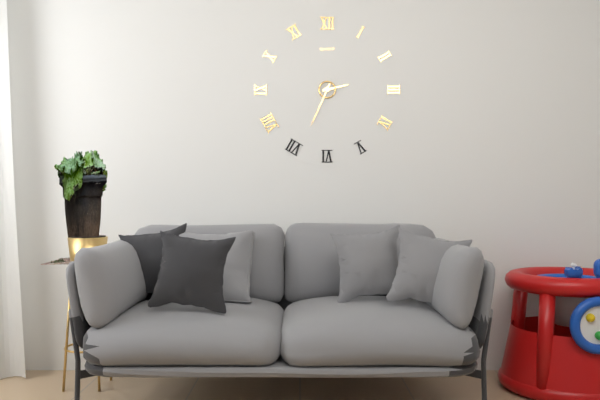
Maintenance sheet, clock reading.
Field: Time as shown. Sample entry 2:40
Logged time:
2:34
